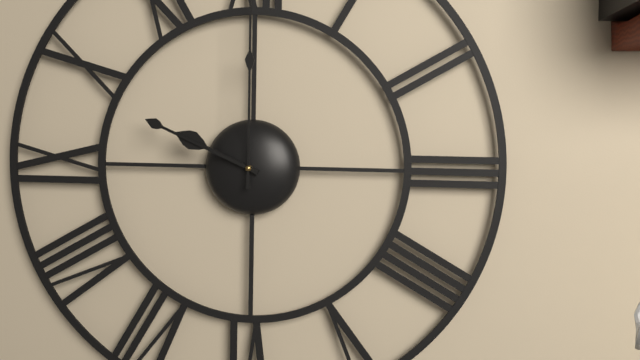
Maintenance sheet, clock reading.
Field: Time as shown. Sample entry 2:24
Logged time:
9:49
